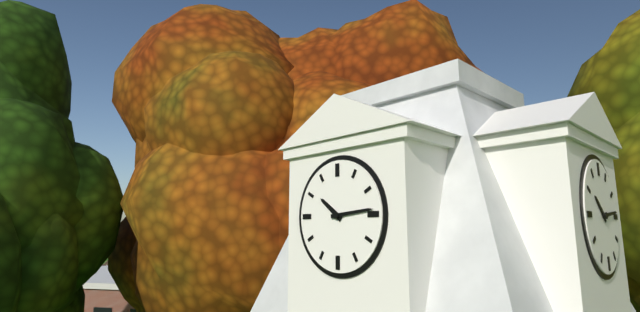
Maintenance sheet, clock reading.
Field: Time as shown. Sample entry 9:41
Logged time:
10:14
